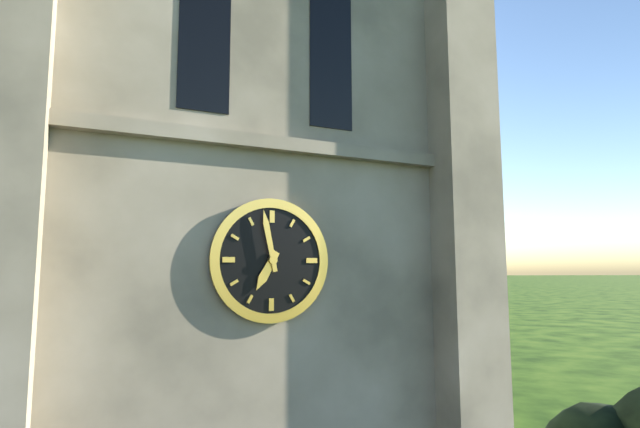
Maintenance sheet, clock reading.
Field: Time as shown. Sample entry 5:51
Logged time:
6:58
